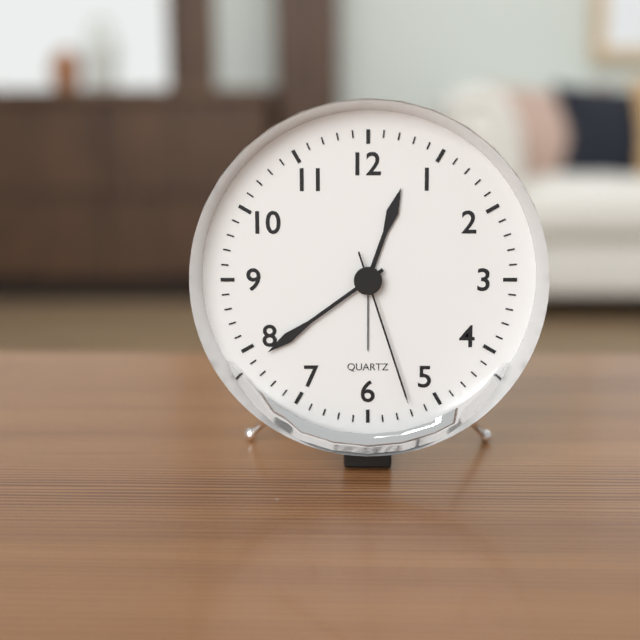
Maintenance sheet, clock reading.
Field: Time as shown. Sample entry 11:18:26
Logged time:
12:39:27
